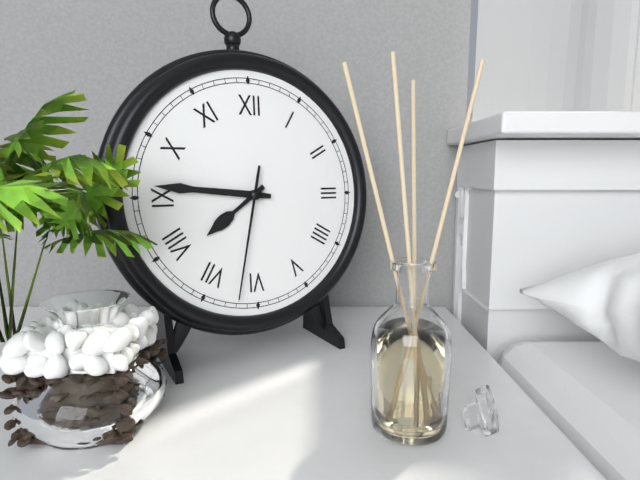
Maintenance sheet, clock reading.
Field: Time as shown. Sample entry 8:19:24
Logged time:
7:46:32
